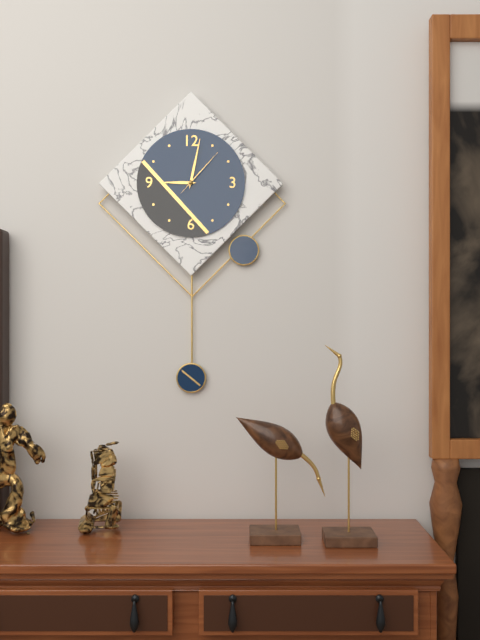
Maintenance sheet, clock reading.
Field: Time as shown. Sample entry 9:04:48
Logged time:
9:02:07
